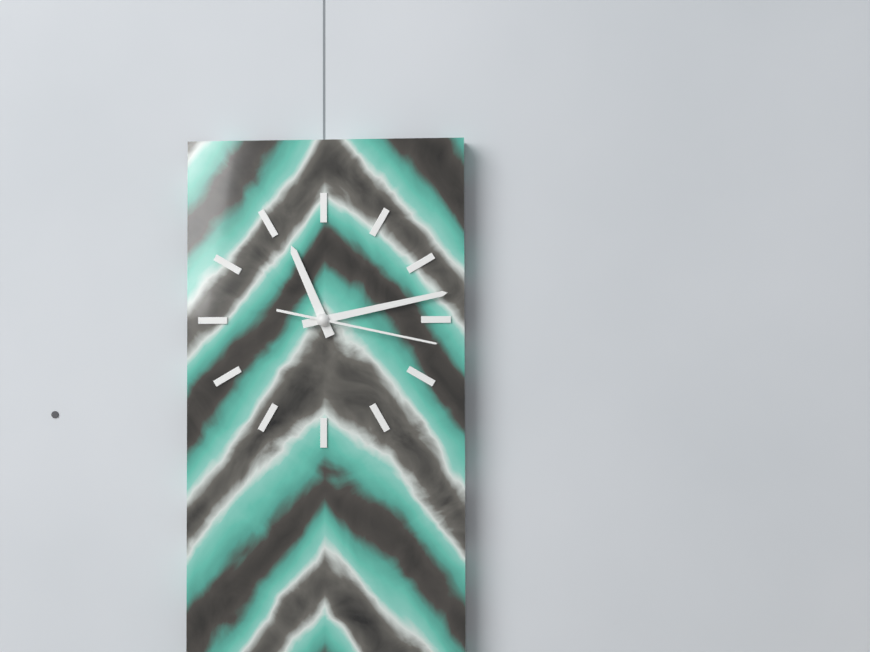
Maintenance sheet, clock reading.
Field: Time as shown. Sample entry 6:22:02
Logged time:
11:13:17
